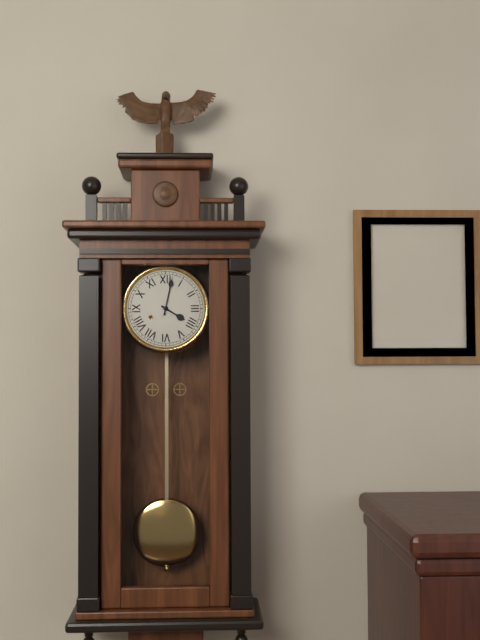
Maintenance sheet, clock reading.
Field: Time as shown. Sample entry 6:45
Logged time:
4:02
